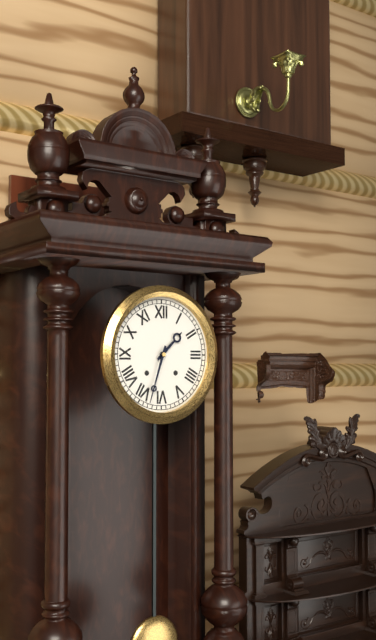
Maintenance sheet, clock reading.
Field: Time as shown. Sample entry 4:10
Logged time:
1:33
